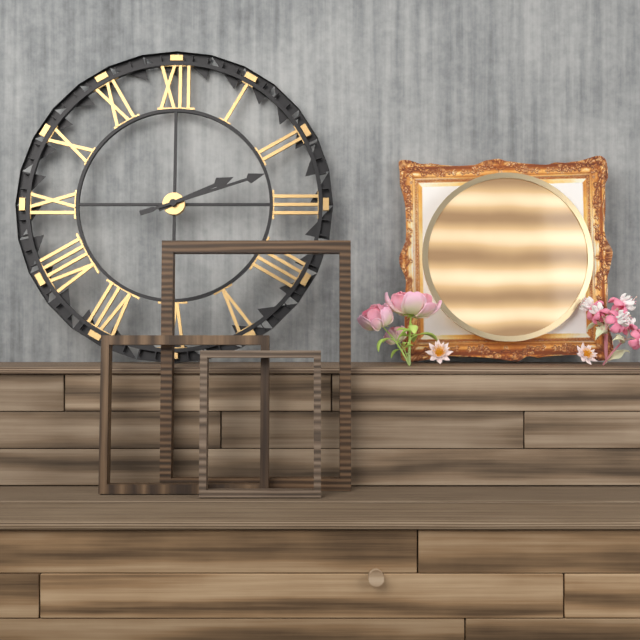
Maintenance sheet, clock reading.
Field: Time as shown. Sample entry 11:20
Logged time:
2:12
